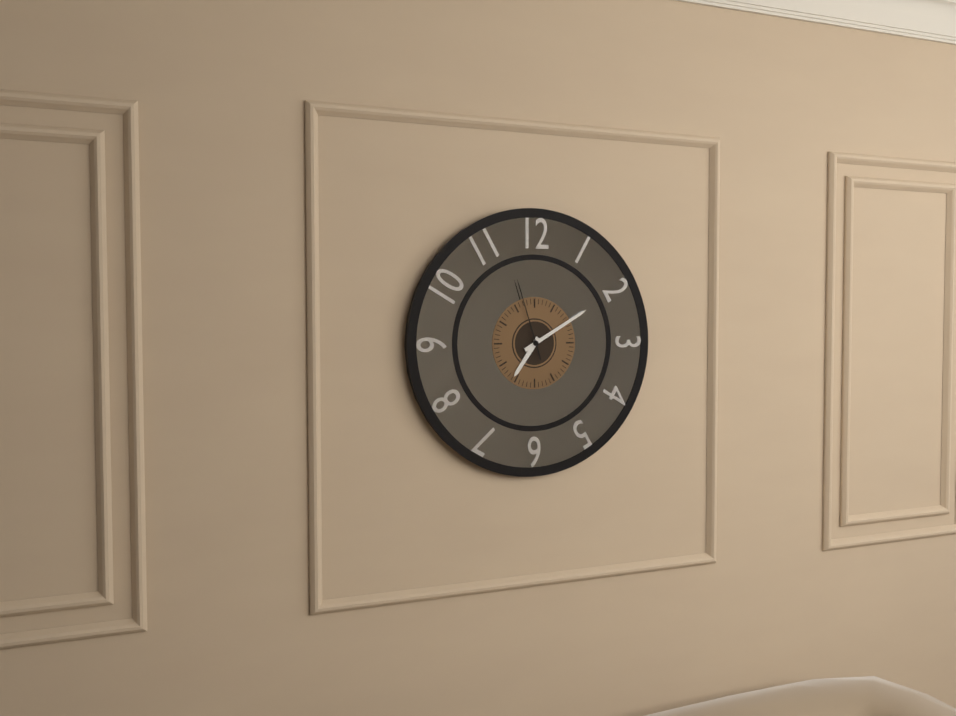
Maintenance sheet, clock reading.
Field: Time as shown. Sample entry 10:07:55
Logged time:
7:10:57
